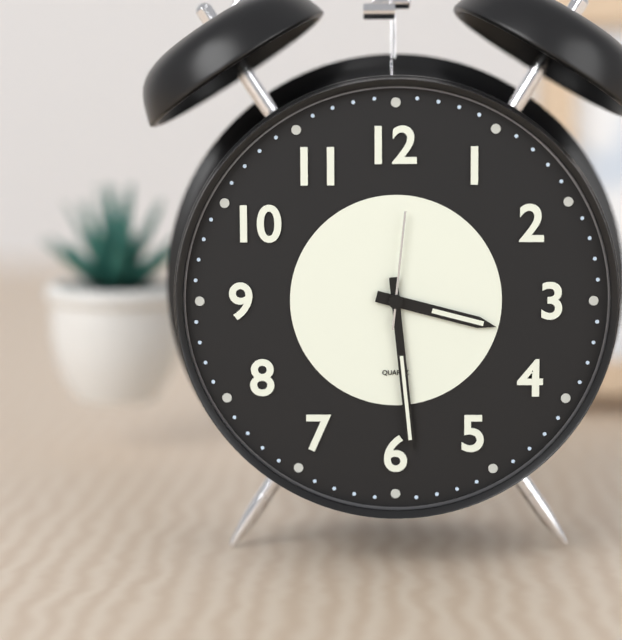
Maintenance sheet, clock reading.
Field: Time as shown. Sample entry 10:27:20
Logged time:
3:29:01
